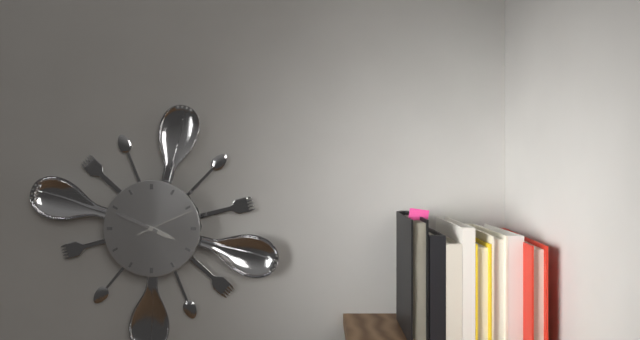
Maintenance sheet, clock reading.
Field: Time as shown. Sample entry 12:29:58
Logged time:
3:49:11
